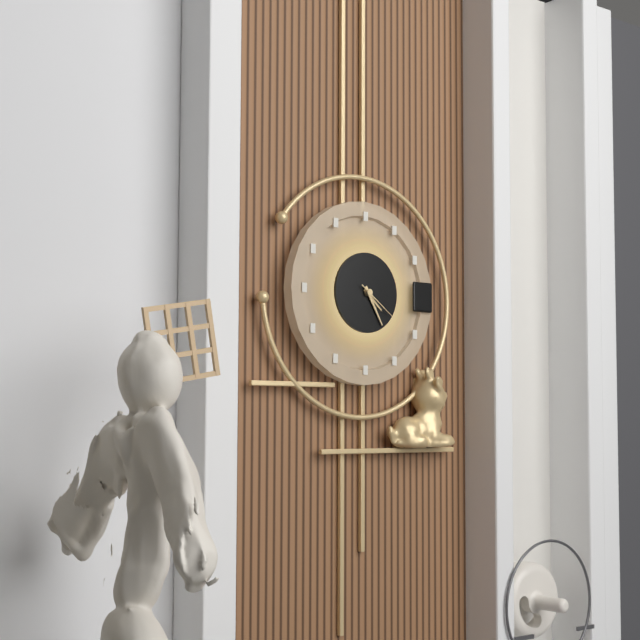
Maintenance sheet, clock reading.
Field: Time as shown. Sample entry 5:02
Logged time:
4:25
